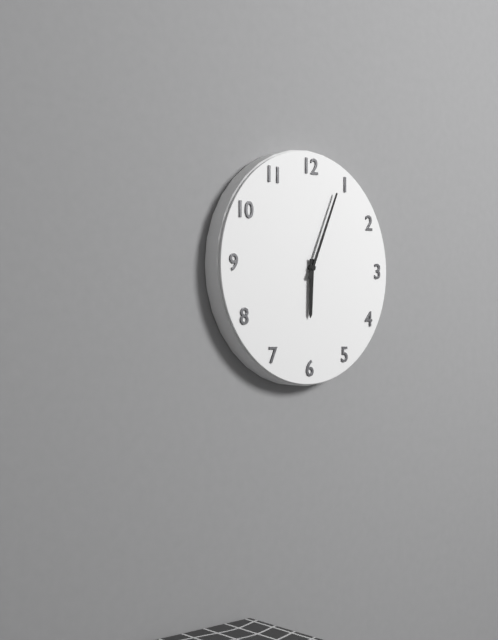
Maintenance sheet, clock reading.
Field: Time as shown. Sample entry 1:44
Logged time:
6:04
